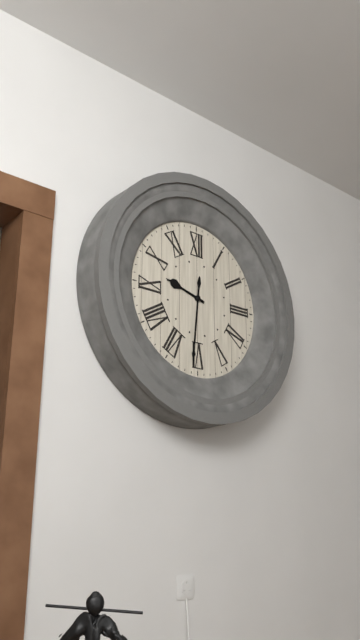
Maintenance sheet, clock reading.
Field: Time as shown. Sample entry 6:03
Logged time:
9:31
